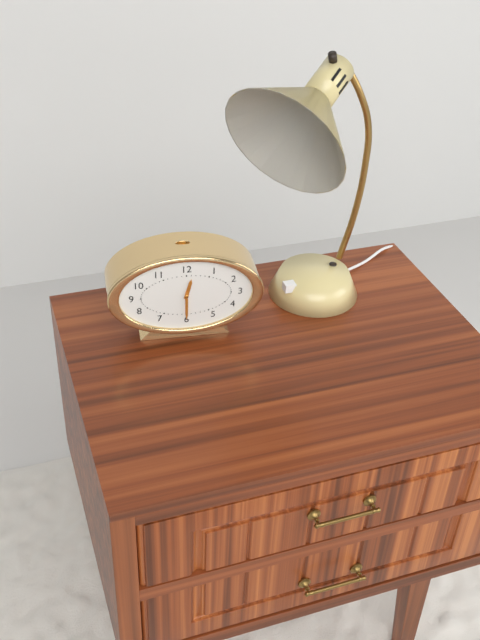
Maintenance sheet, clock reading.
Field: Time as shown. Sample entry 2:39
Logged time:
12:30
